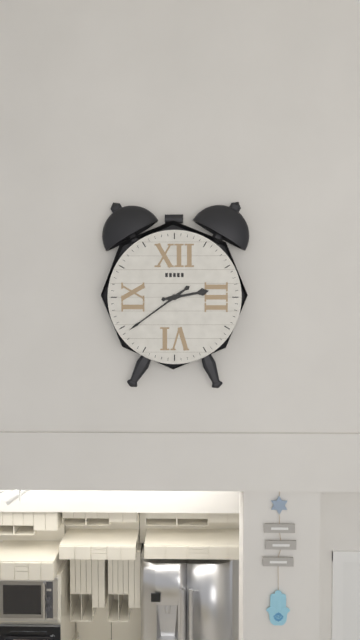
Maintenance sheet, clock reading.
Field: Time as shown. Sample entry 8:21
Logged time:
2:39
